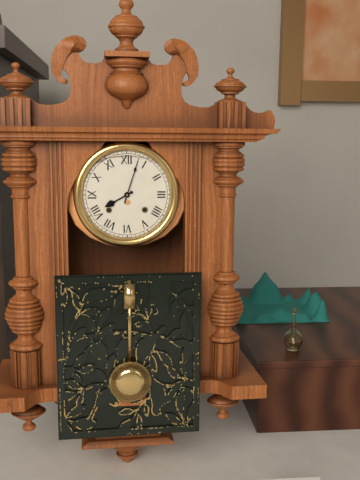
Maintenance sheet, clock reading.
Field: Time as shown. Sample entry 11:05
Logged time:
8:03
